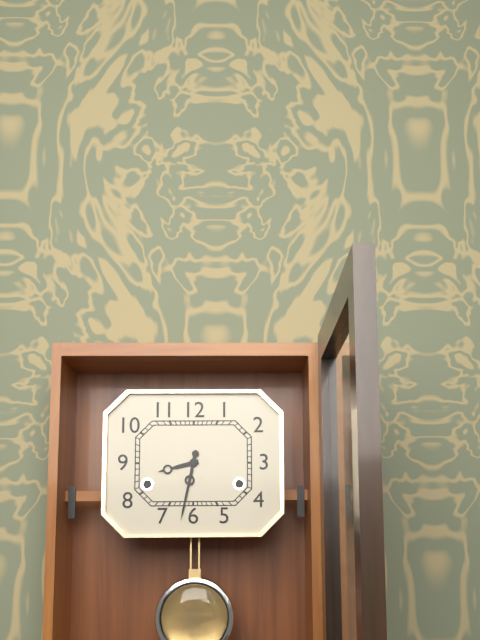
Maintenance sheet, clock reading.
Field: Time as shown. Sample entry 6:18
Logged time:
8:32
